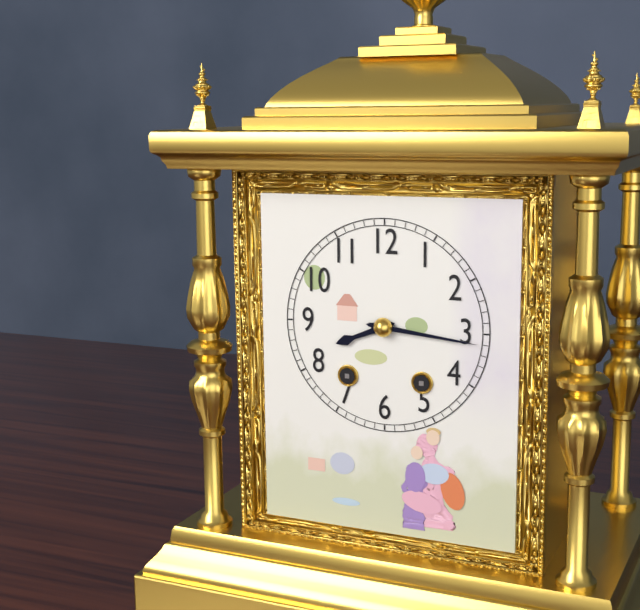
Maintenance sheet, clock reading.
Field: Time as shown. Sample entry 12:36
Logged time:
8:16
